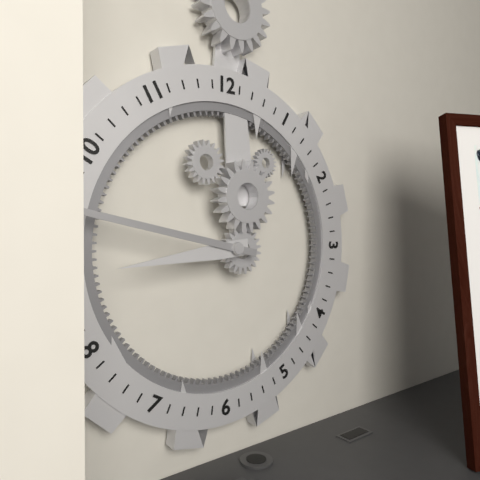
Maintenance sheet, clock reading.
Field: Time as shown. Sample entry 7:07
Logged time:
8:47
